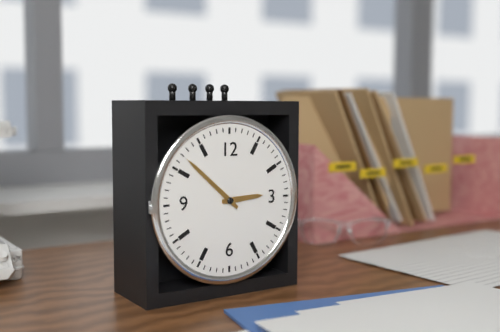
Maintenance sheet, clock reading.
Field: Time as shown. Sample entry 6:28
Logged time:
2:52
